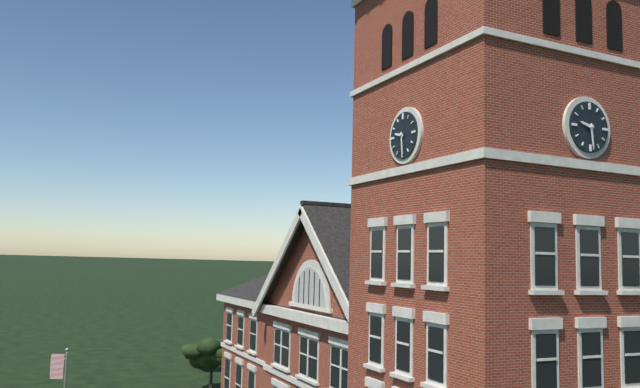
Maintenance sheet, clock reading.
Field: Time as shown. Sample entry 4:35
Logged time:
9:29
